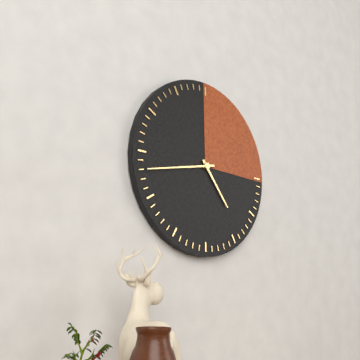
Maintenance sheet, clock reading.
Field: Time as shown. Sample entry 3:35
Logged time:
4:43
